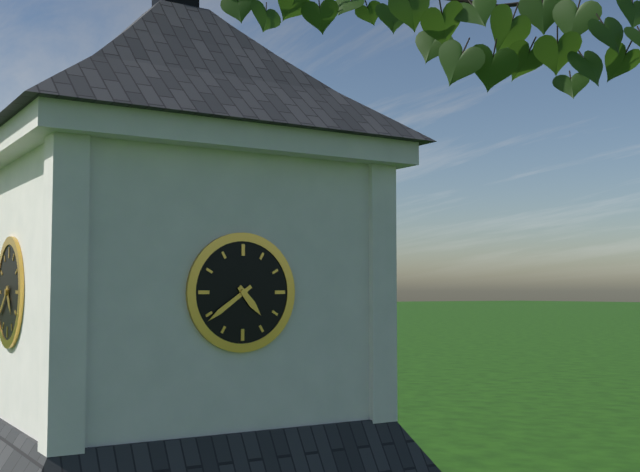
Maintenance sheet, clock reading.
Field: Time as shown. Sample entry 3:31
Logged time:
4:39
